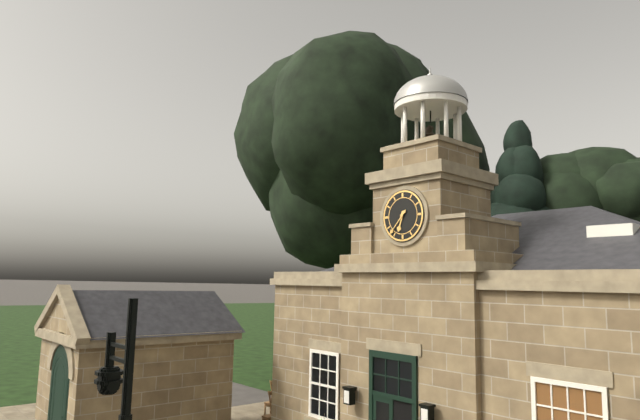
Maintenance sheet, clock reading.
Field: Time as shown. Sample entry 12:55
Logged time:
6:37
